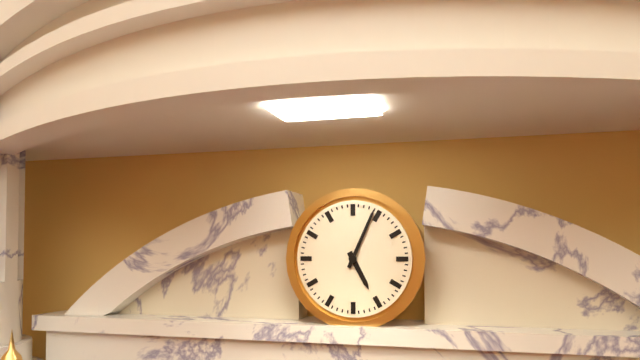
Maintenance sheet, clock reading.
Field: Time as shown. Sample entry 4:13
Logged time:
5:04
